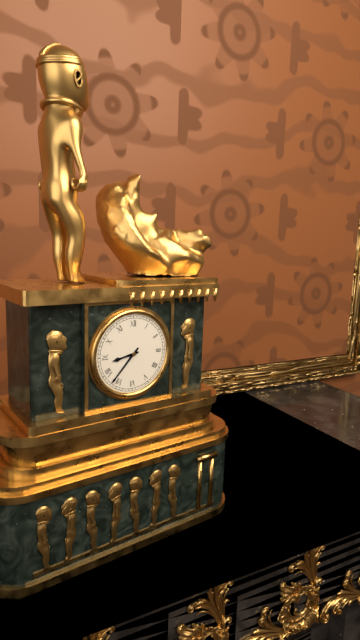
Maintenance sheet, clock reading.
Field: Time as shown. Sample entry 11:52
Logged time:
8:37
